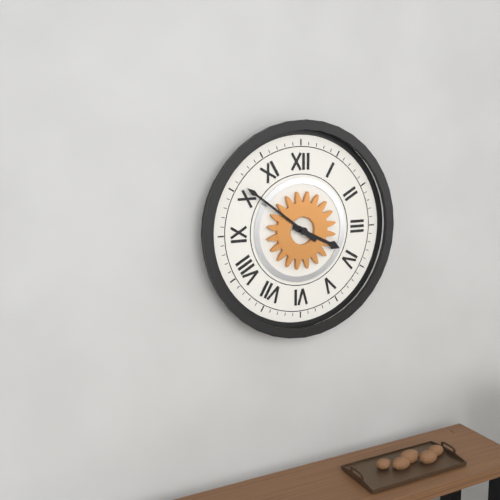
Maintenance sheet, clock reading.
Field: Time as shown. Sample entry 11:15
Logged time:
3:51
